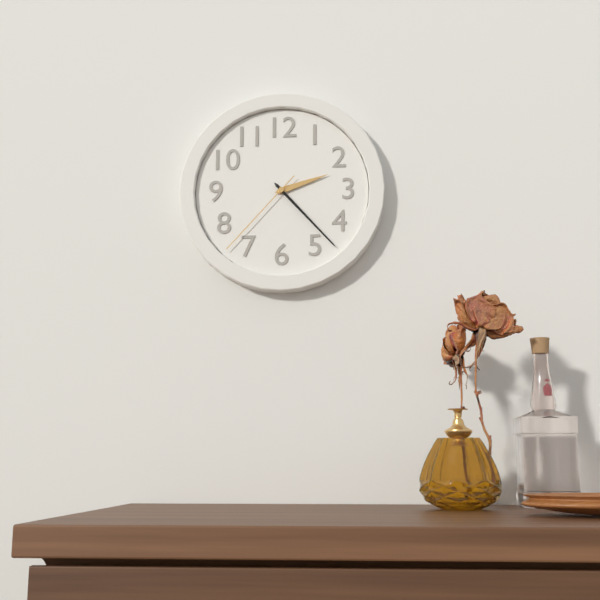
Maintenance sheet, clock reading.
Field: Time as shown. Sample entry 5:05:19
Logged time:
2:23:37
